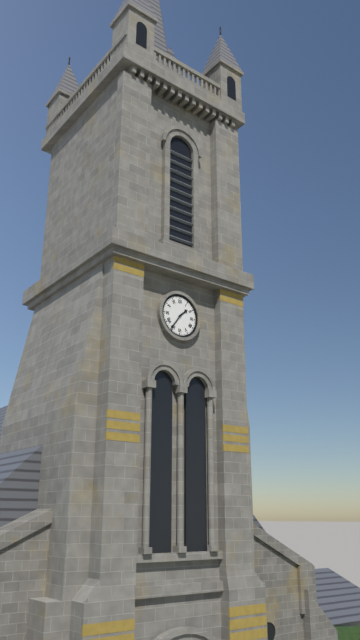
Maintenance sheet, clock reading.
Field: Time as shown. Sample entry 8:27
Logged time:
1:36
